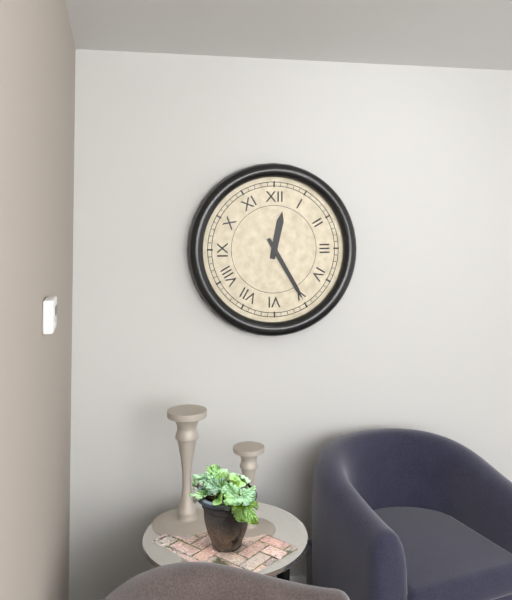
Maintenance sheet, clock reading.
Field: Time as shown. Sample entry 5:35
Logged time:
12:25
